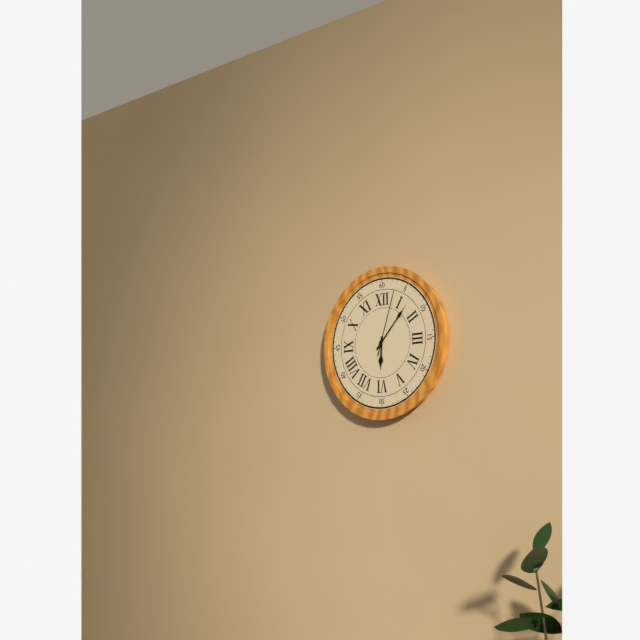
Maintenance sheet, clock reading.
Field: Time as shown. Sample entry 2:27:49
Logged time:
6:07:03
